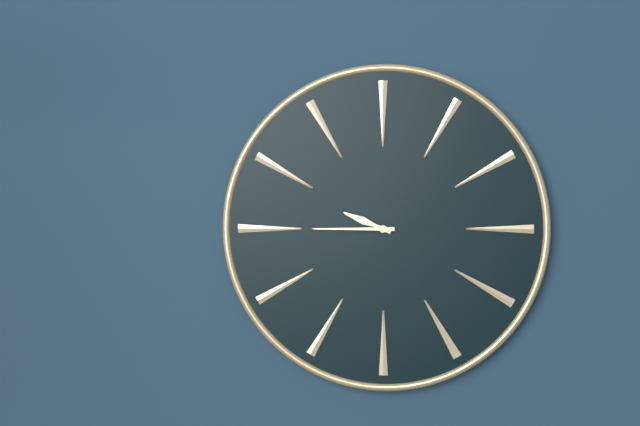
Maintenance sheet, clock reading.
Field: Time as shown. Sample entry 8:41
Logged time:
9:45
